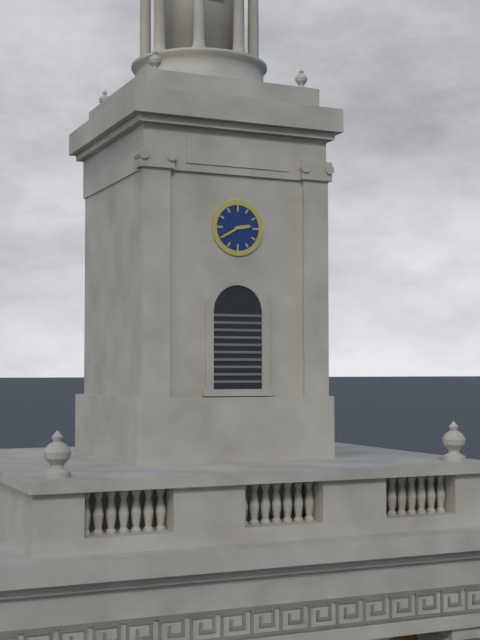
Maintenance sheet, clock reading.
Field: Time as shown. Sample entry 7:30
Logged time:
2:40
